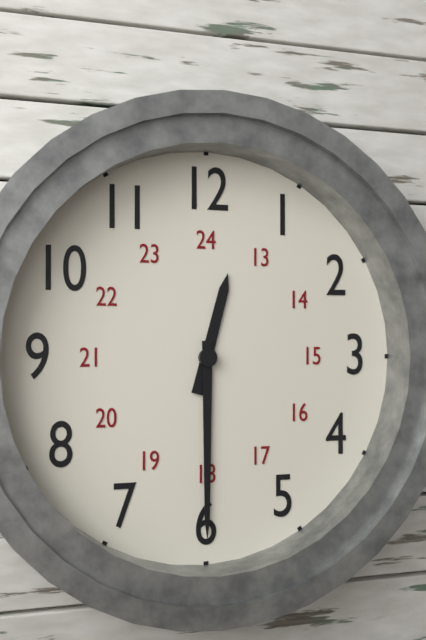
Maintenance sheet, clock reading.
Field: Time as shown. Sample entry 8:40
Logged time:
12:30
